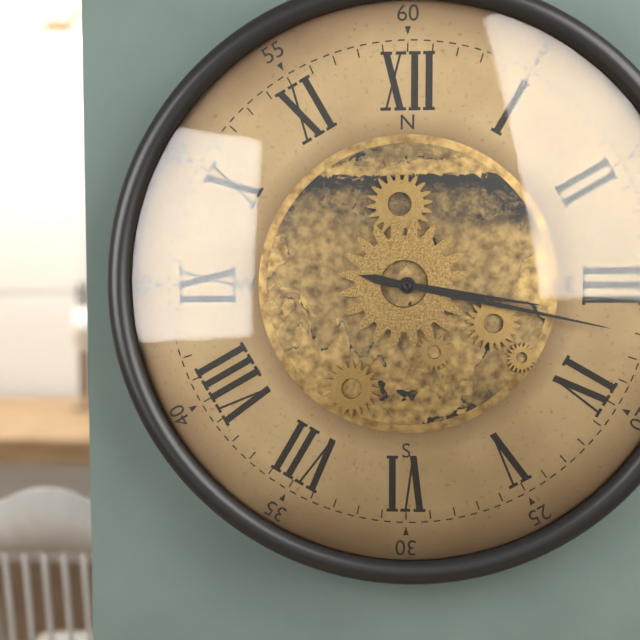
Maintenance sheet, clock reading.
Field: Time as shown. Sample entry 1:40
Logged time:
3:17
